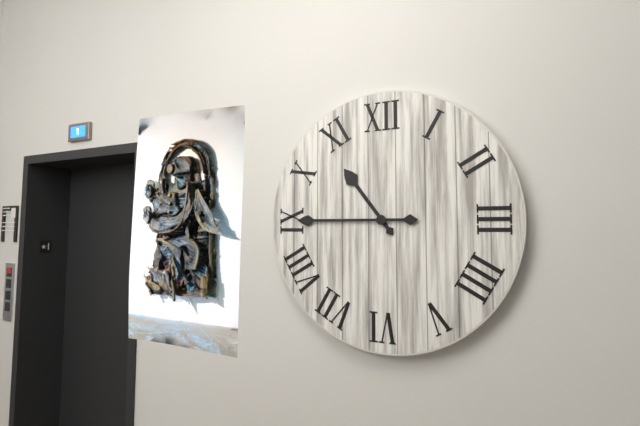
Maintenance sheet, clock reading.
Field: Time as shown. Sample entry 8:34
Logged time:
10:45
